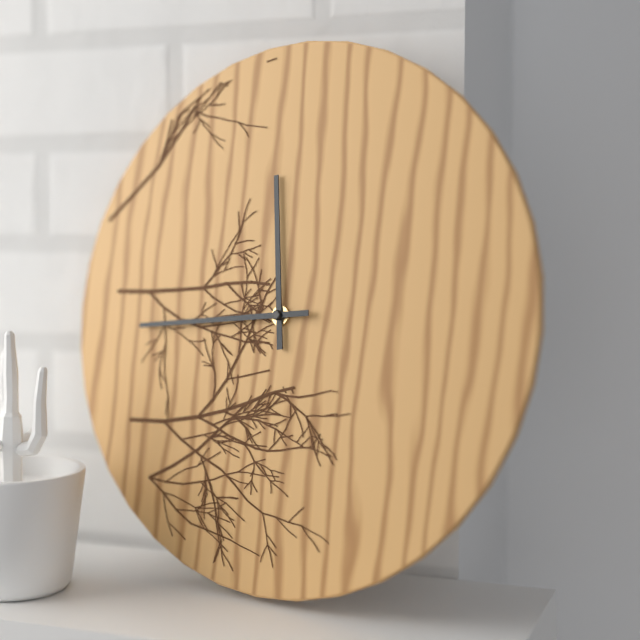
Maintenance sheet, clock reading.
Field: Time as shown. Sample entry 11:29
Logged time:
11:44
